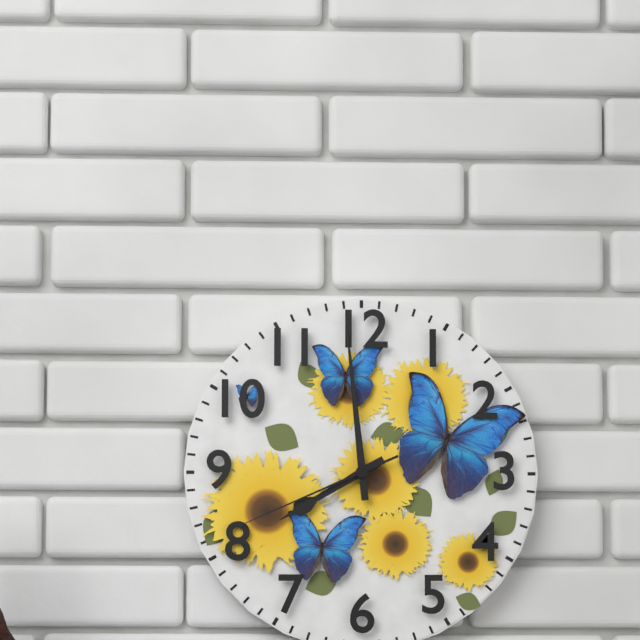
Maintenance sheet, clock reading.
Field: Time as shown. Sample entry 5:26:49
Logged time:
7:59:41
